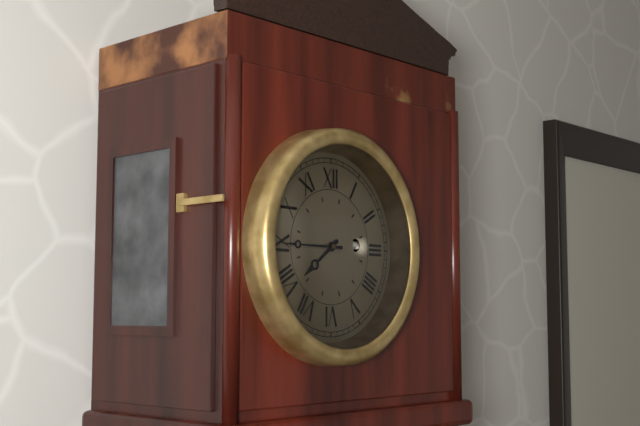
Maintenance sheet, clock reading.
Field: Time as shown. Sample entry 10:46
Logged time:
7:45
